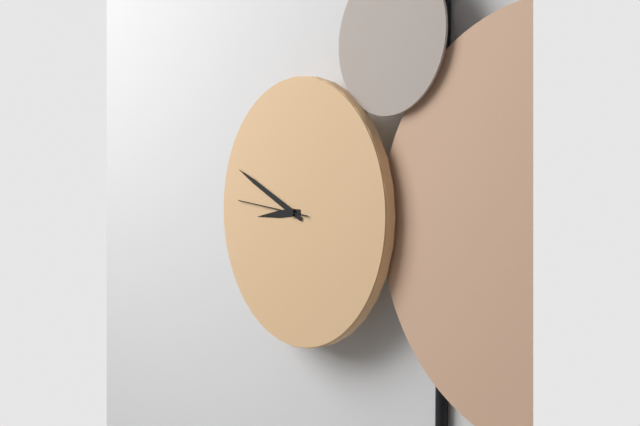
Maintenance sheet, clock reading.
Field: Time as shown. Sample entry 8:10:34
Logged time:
8:49:46
